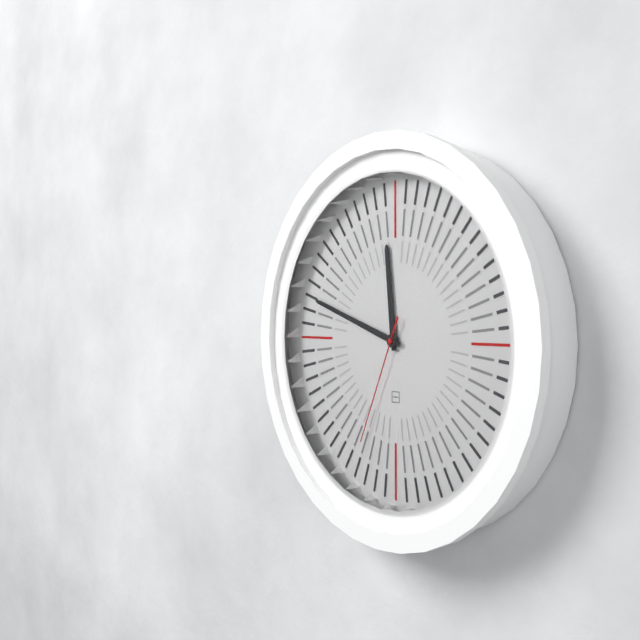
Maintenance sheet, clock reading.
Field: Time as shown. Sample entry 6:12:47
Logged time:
11:48:34
